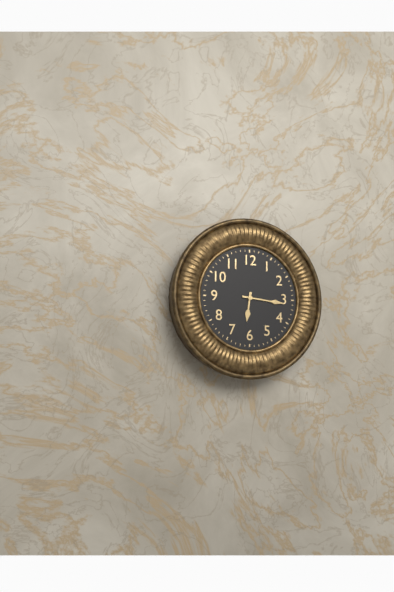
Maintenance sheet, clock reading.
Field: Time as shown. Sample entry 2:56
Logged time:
6:16
